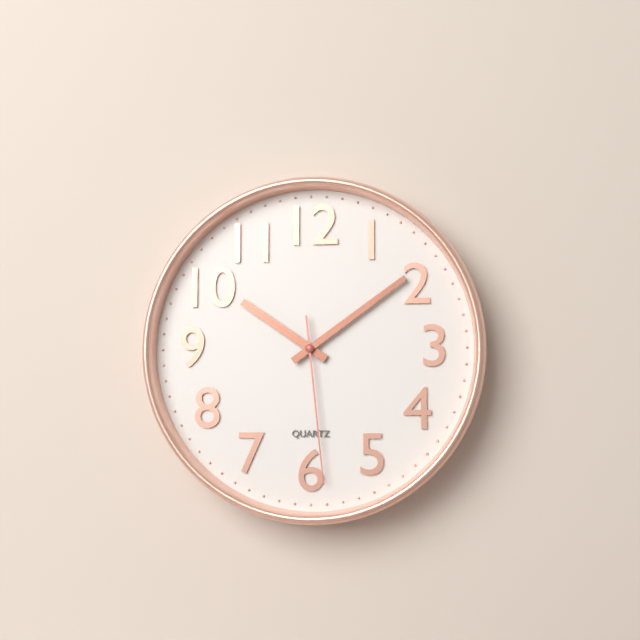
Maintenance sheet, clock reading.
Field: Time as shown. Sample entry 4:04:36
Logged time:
10:09:29
